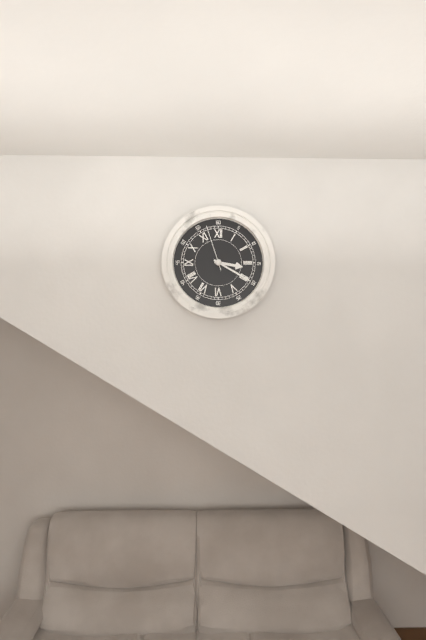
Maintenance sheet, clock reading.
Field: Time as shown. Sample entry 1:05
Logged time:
3:20
